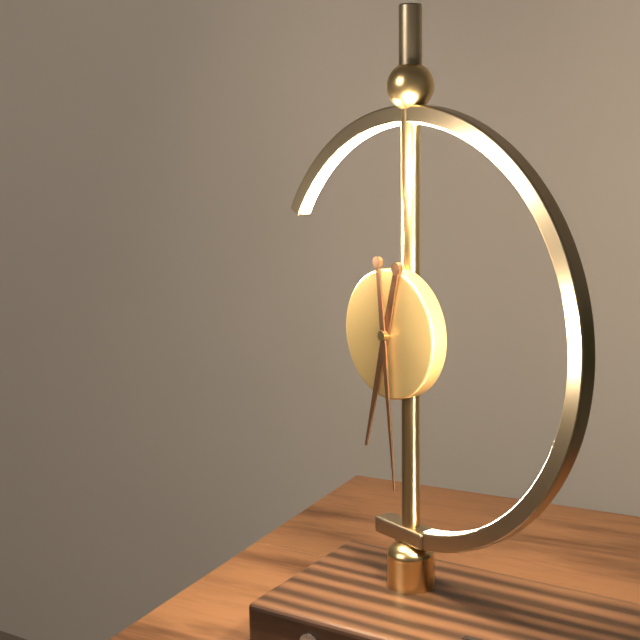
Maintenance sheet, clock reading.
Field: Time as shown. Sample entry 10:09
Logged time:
6:29
